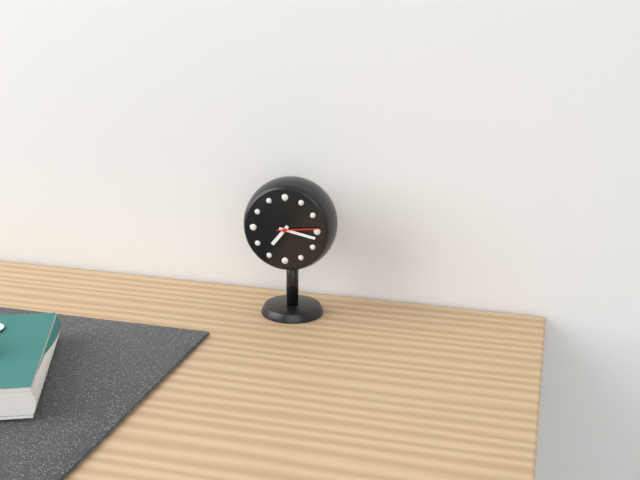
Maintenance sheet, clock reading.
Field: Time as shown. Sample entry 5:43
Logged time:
7:17
